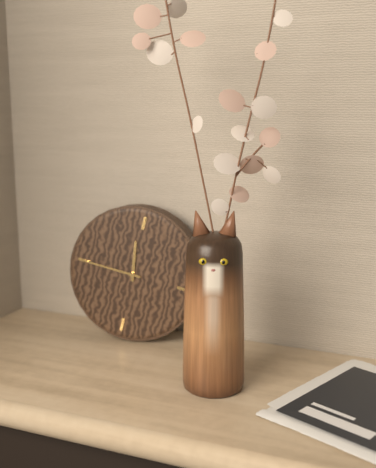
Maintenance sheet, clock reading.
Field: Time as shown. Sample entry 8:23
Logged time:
11:45
